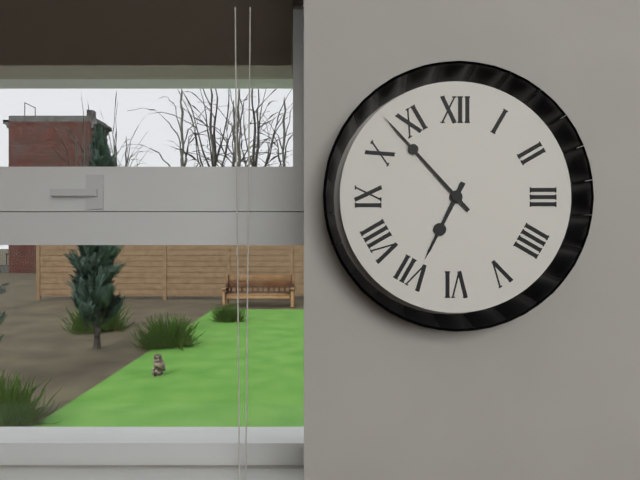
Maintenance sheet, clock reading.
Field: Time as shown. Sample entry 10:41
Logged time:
6:53
